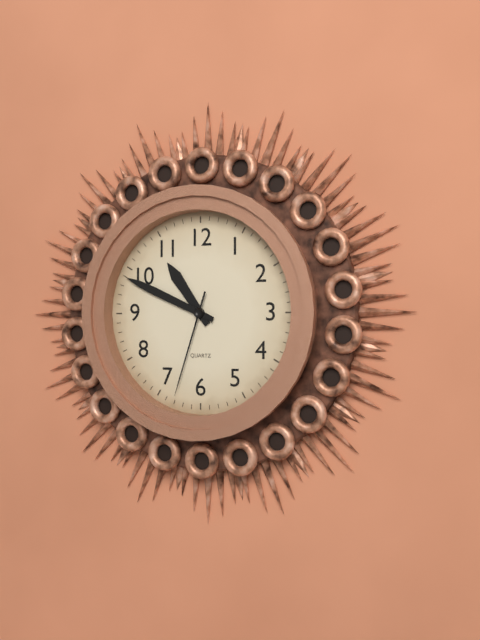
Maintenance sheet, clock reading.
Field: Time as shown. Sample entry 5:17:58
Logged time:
10:49:33
